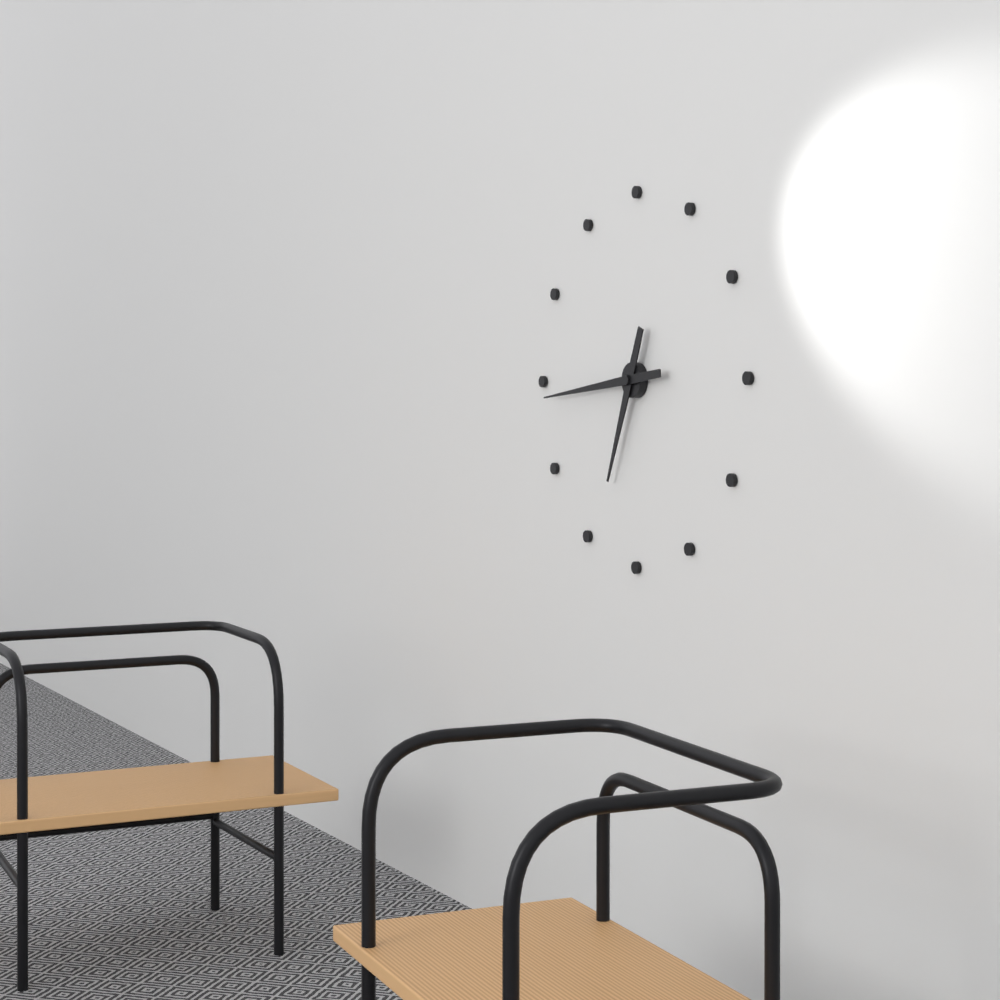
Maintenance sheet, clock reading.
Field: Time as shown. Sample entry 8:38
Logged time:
6:44
